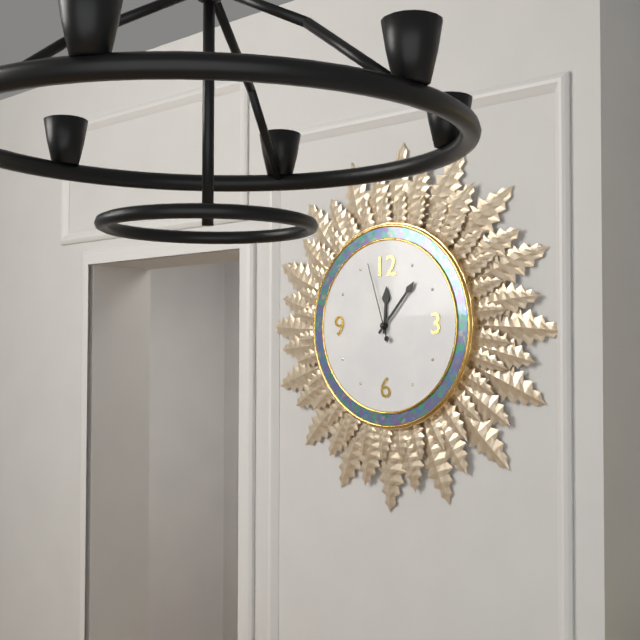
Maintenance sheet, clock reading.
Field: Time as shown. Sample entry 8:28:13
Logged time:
12:07:57
